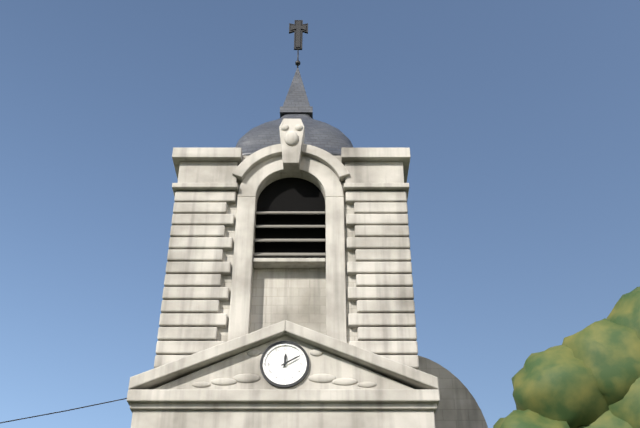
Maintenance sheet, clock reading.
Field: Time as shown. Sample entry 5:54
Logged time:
12:10
